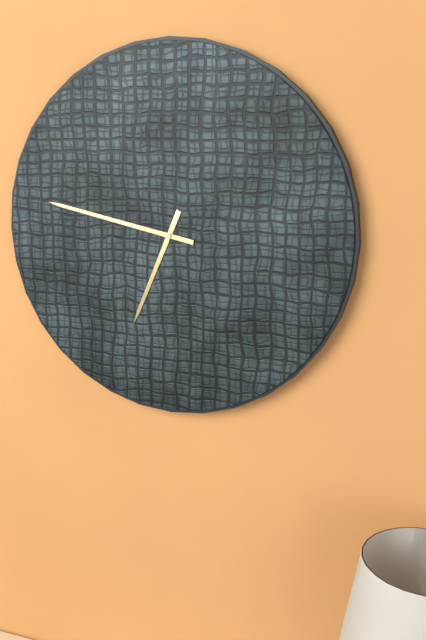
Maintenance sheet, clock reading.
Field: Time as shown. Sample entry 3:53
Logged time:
6:47
